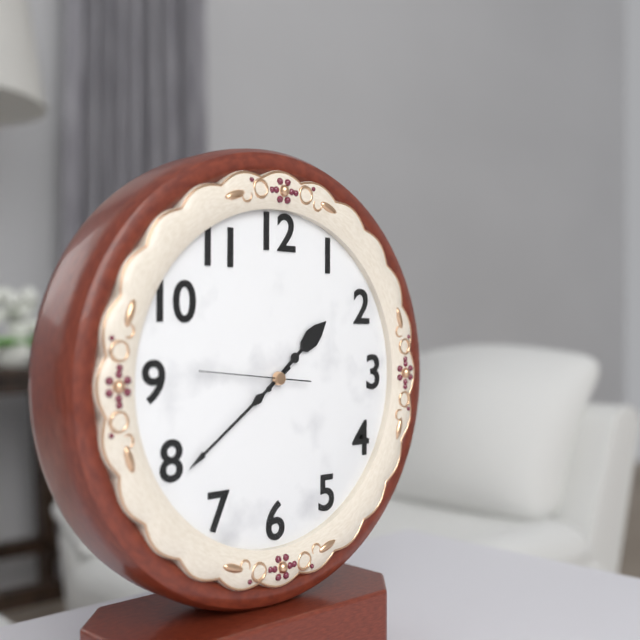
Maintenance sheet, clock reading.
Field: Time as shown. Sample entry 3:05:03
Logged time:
1:39:46
